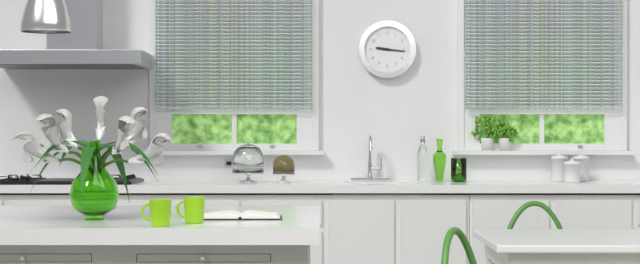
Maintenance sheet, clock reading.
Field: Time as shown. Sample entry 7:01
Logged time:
9:16
